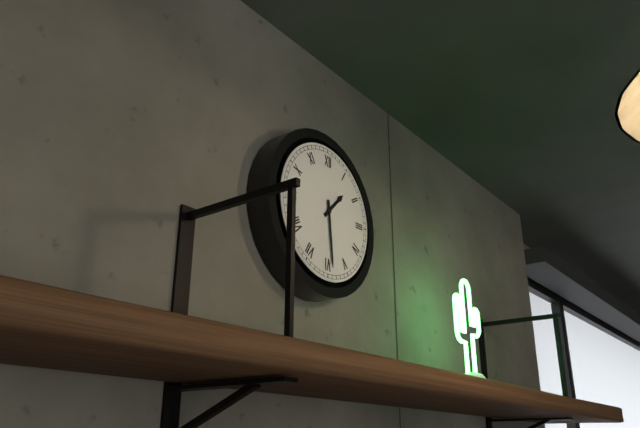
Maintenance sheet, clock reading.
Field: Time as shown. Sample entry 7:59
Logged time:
1:29
